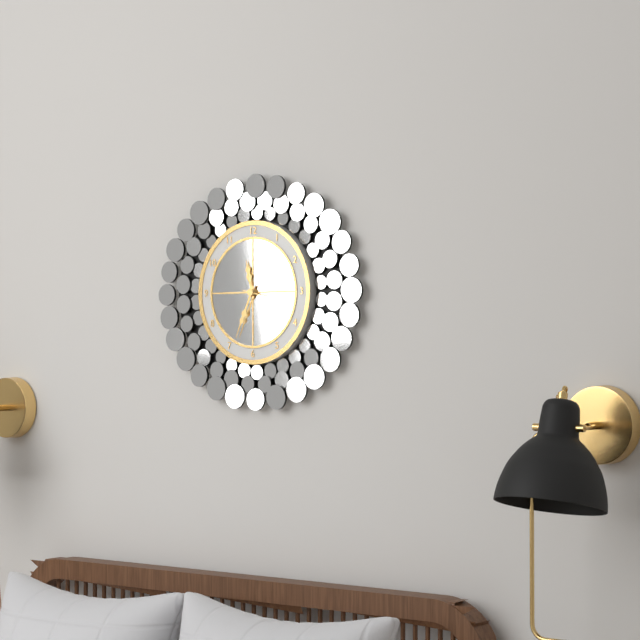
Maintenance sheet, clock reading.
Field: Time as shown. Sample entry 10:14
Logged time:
11:34
